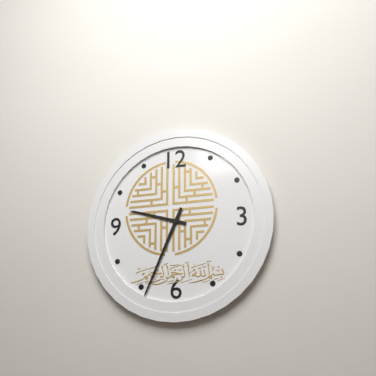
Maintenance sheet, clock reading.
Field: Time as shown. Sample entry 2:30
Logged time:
9:34
